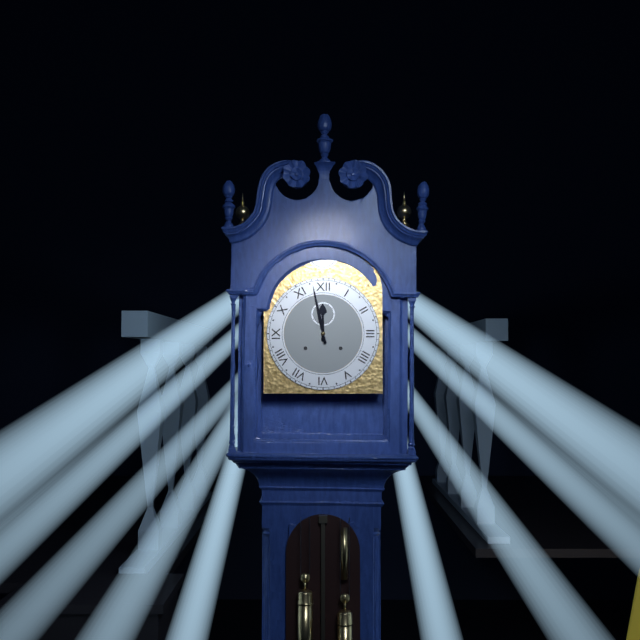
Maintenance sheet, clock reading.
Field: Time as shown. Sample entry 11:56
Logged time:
11:58
